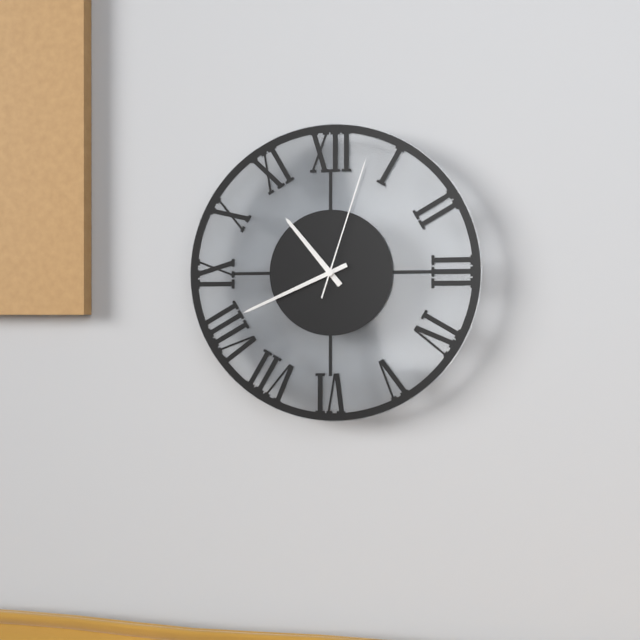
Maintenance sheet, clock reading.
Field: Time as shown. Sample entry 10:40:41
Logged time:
10:41:03
